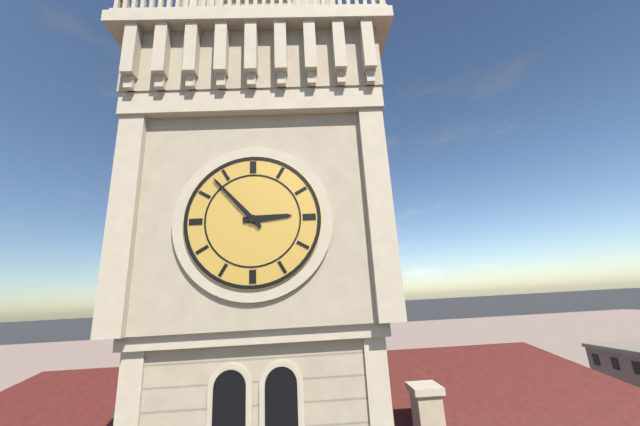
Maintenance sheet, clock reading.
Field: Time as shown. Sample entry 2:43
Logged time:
2:53
